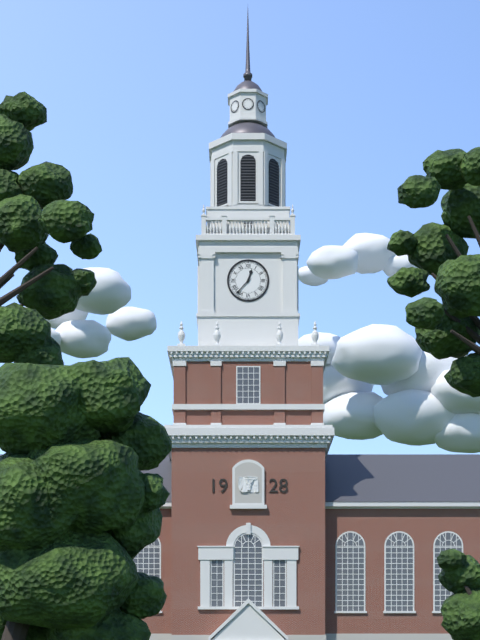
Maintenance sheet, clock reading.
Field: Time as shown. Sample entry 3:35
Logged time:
12:37
